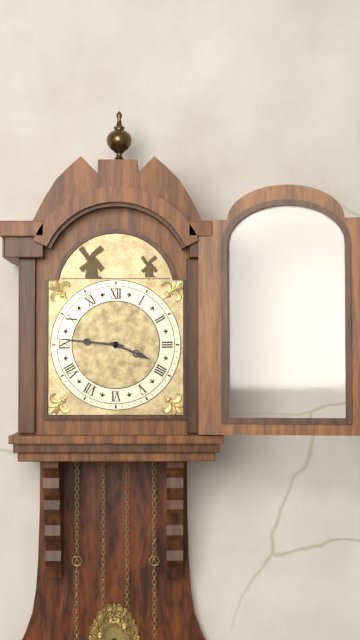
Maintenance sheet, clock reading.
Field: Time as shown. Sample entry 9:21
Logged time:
3:46
